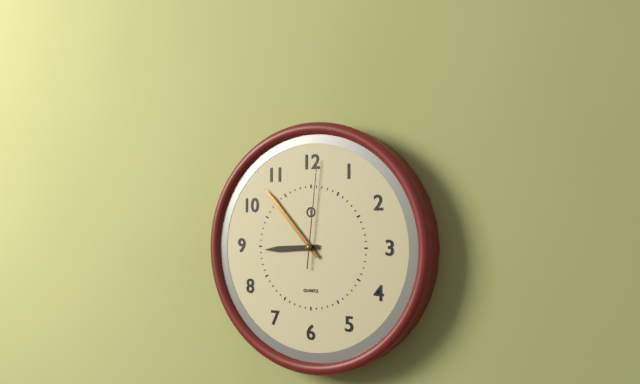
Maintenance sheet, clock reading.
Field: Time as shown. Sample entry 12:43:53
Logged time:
8:53:01
